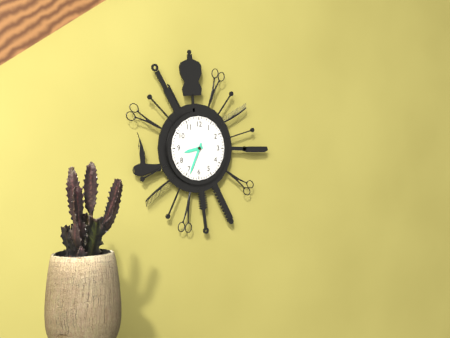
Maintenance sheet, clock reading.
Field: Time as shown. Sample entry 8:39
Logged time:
8:34
